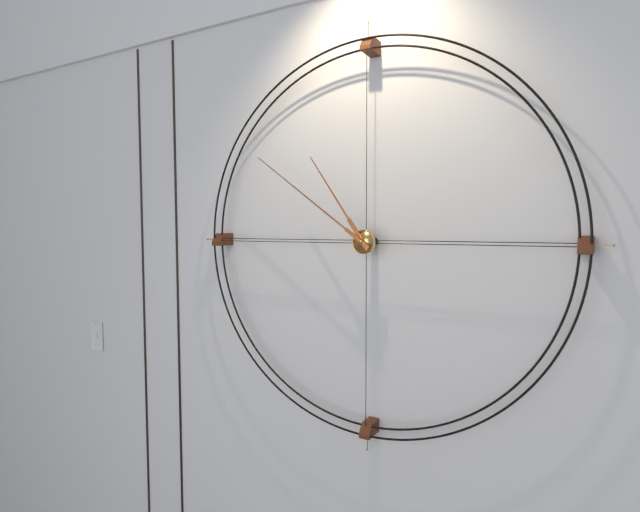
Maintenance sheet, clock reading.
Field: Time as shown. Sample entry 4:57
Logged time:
10:51
